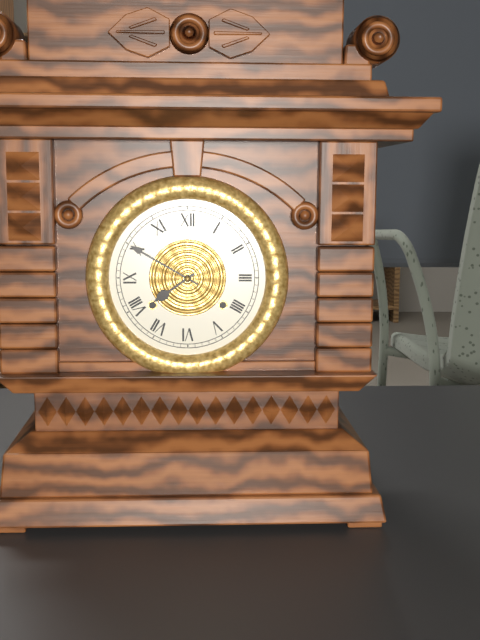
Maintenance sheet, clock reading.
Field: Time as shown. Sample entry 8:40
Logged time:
7:50
